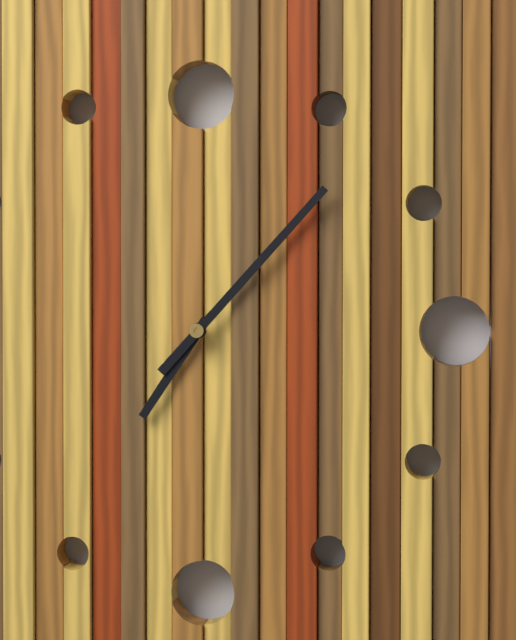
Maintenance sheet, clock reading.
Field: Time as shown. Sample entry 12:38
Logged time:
7:07
